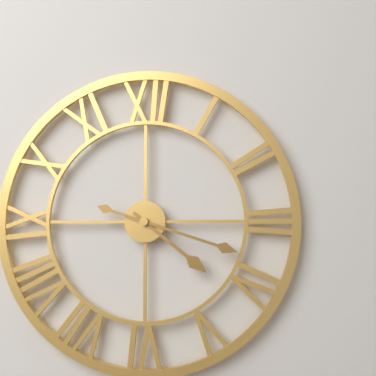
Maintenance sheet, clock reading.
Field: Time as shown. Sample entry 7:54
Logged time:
4:18
